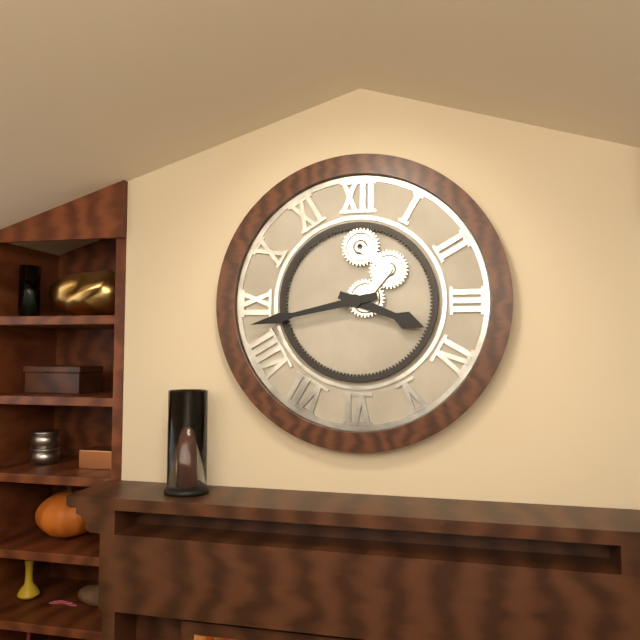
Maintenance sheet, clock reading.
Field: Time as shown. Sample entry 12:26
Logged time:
3:43
